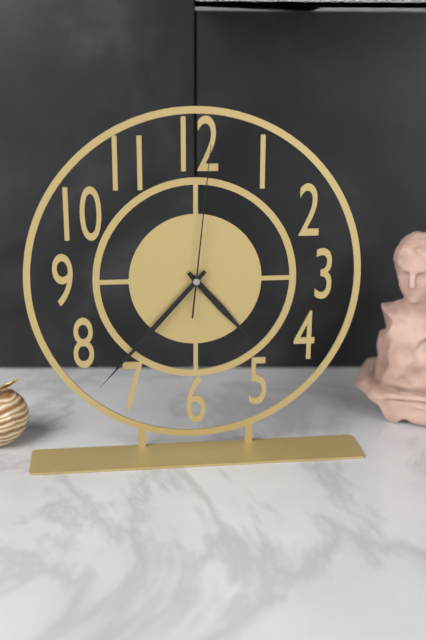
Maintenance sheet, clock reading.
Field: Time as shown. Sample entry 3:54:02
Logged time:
4:37:01
